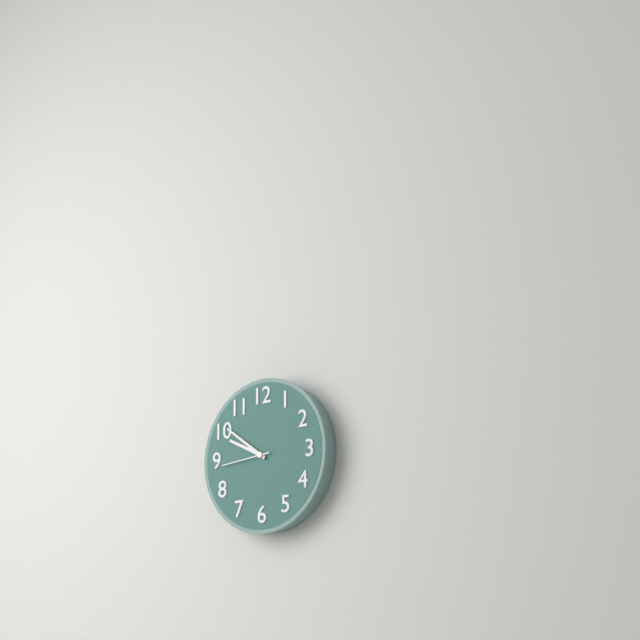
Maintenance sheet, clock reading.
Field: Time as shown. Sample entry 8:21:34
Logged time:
9:51:44
